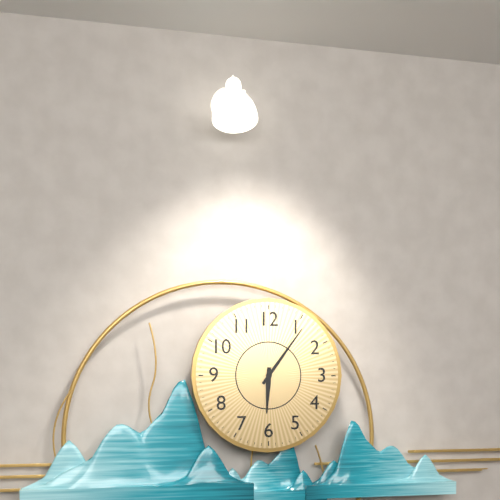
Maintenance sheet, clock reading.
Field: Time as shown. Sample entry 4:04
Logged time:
6:06
